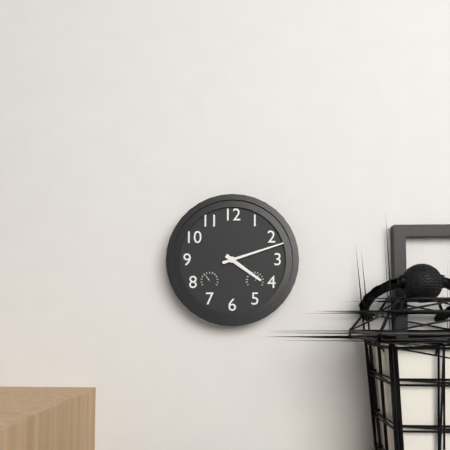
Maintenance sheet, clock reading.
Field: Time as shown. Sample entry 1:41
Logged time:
4:12
